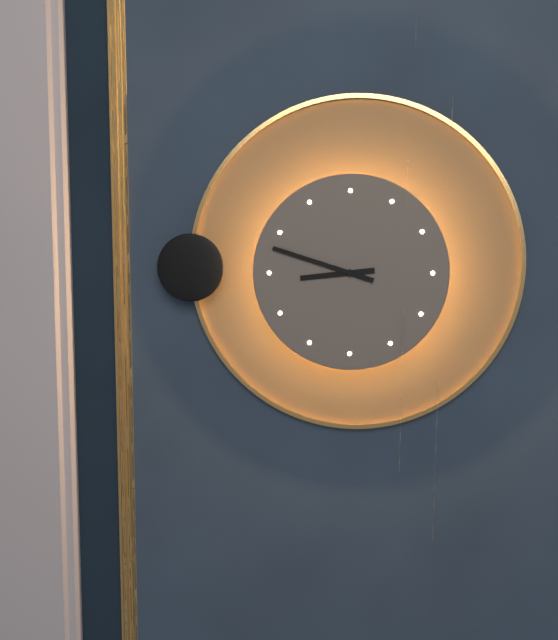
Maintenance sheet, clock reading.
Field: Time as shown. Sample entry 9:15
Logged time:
8:48
